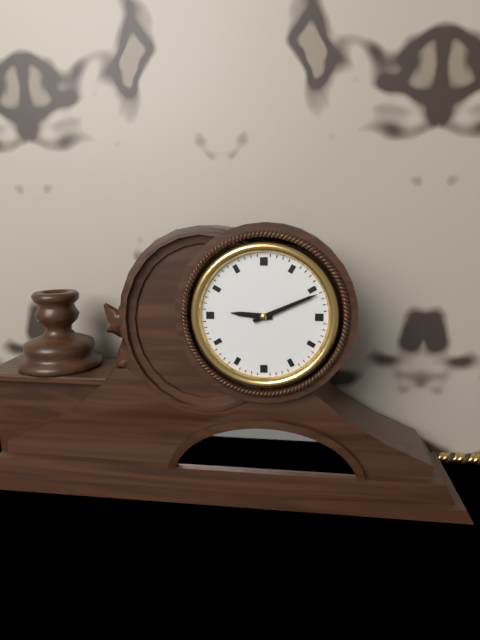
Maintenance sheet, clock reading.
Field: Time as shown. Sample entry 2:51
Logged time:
9:11
